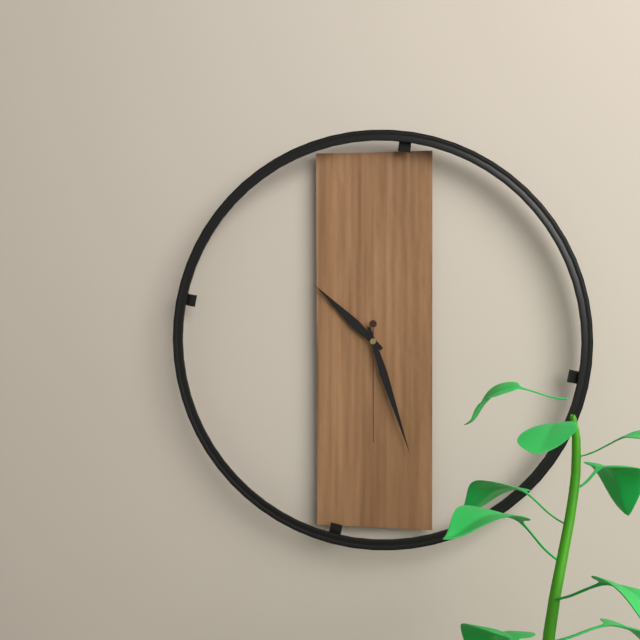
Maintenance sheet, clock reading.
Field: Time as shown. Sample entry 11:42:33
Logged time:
10:27:30
